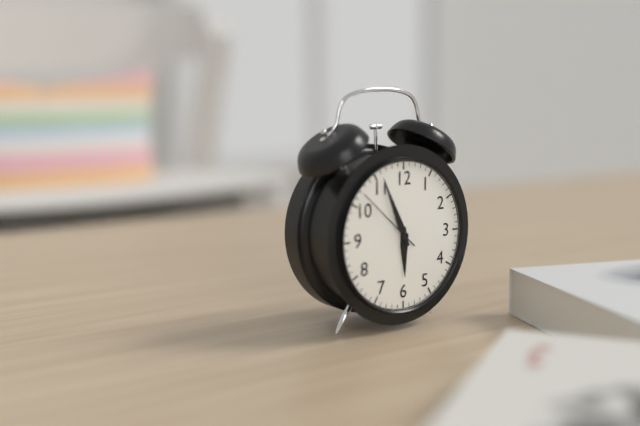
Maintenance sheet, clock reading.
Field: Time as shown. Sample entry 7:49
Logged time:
5:56
